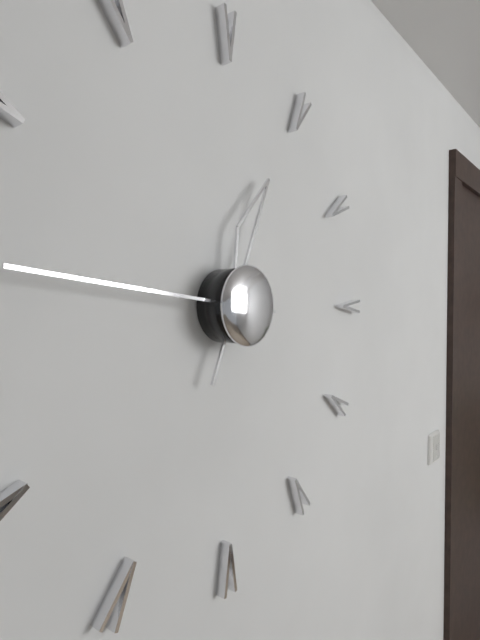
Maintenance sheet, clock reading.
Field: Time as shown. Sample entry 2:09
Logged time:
12:46
